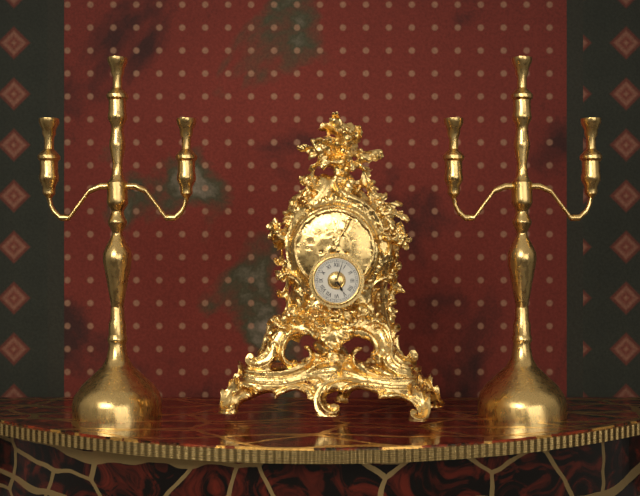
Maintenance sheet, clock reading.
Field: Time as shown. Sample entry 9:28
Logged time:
5:03
